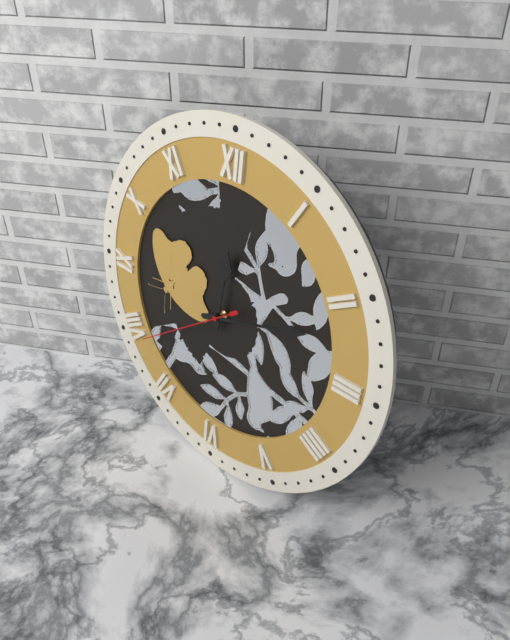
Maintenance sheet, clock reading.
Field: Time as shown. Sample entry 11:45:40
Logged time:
12:12:39
